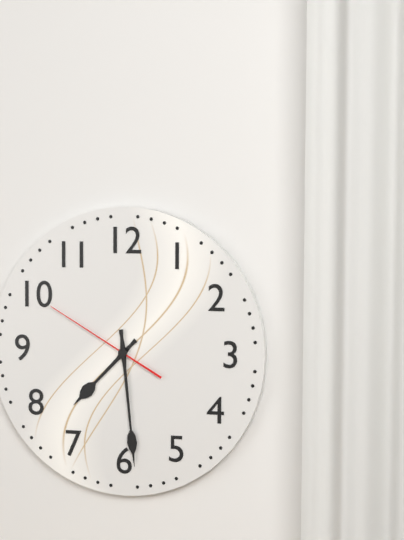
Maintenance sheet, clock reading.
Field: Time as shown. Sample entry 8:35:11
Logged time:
7:29:50
